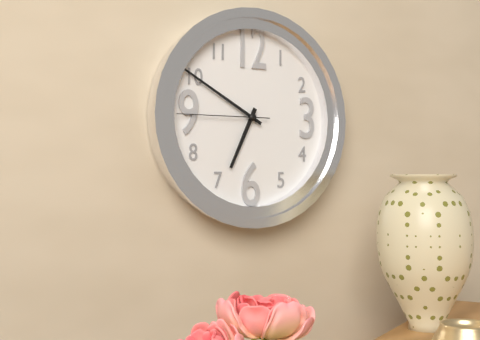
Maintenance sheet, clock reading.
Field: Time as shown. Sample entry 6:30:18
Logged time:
6:50:45
